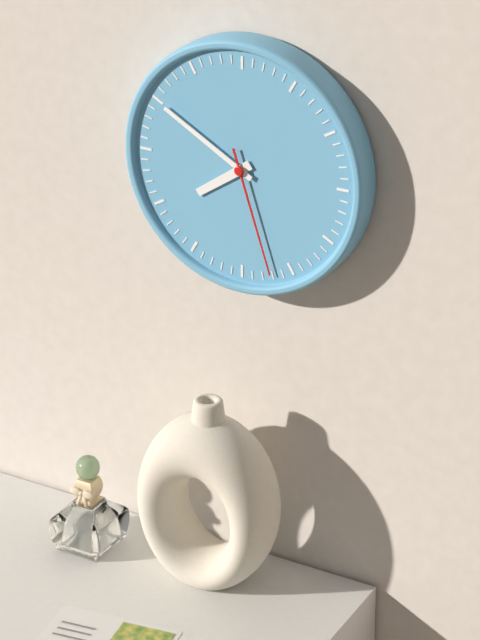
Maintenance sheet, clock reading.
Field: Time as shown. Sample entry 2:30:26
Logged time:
7:50:27
